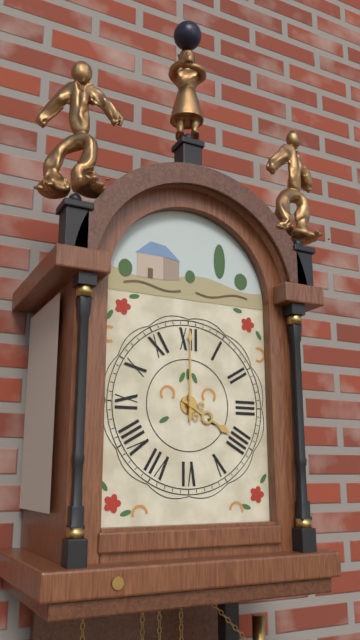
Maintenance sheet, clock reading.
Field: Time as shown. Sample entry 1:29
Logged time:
4:00
